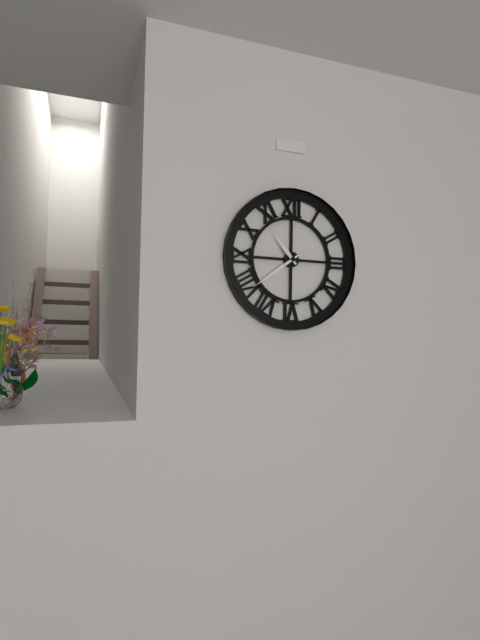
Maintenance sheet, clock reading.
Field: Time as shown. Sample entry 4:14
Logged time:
10:39
